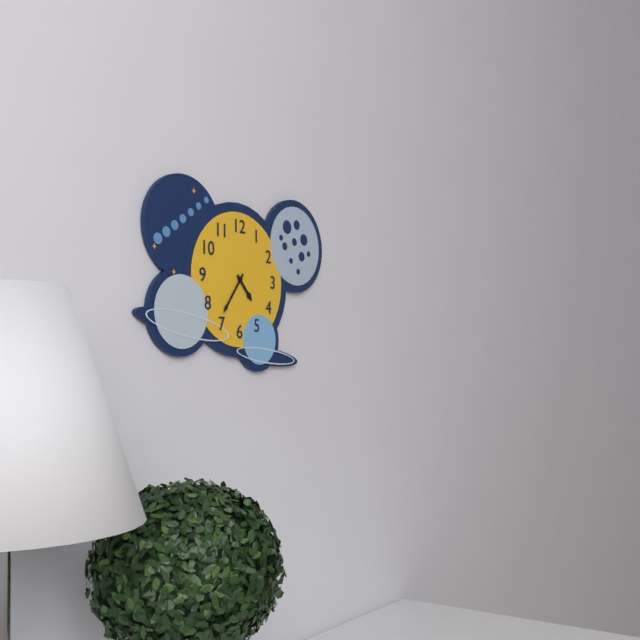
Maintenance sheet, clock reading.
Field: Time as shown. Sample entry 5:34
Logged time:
4:36
